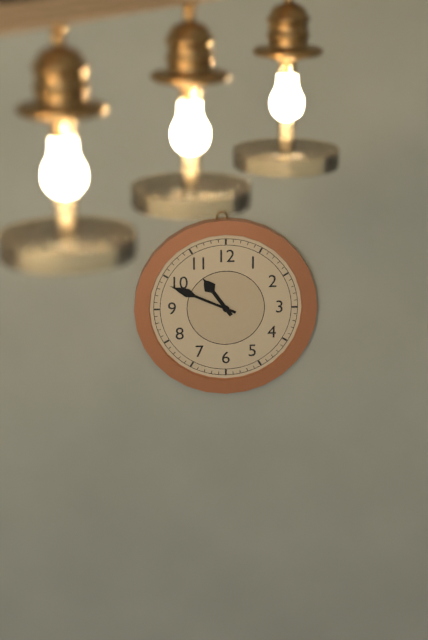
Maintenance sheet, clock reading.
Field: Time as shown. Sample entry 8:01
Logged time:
10:49
